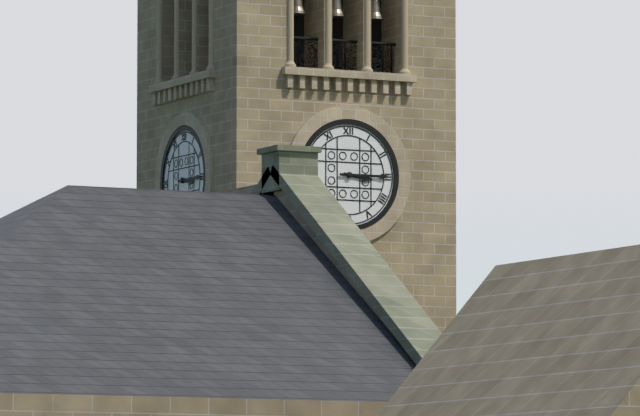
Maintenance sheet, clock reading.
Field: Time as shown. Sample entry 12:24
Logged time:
3:15
